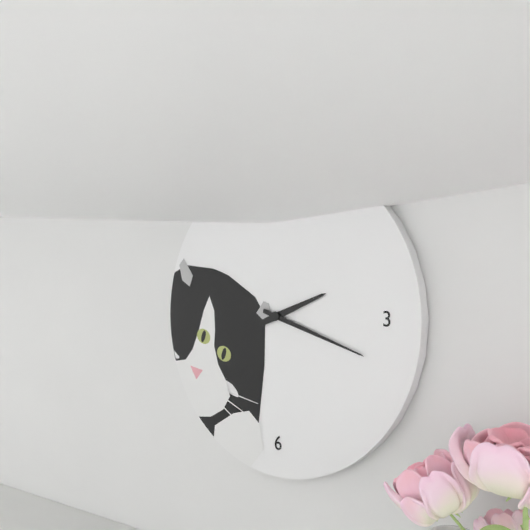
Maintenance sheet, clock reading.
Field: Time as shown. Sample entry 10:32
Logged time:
2:18
